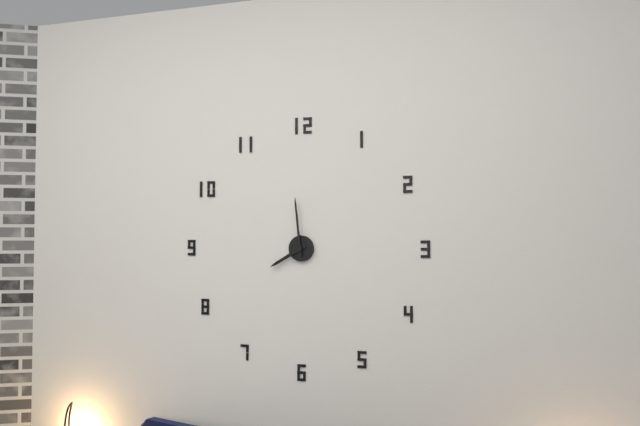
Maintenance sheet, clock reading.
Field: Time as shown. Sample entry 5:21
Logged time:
7:59
